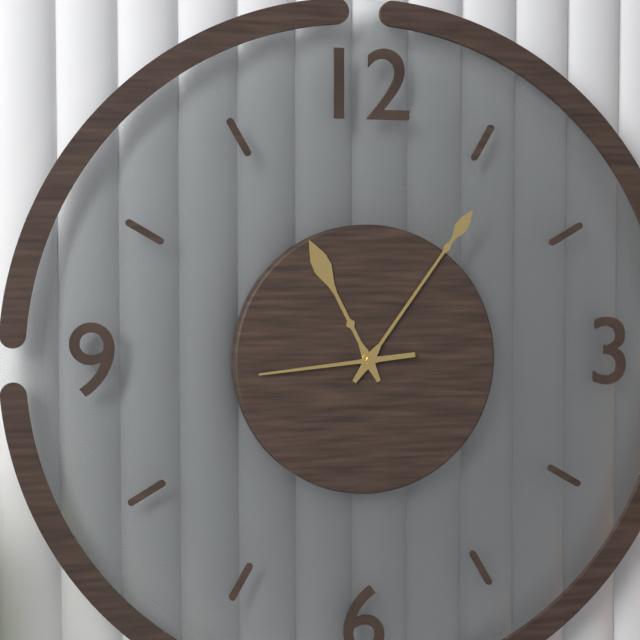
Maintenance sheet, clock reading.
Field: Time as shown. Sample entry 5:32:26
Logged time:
11:06:44
